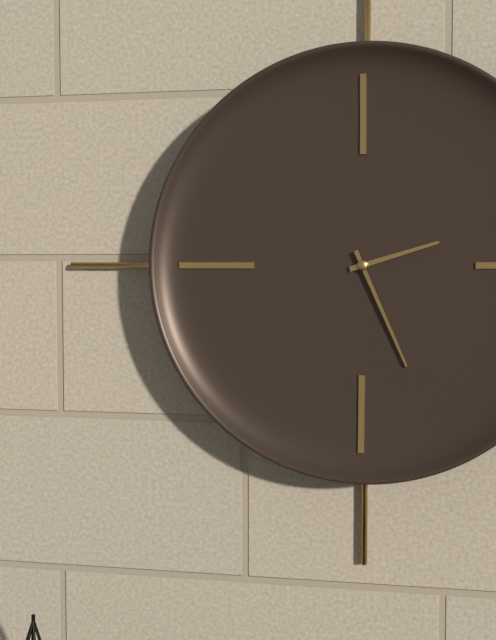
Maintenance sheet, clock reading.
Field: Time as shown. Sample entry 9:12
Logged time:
2:26
